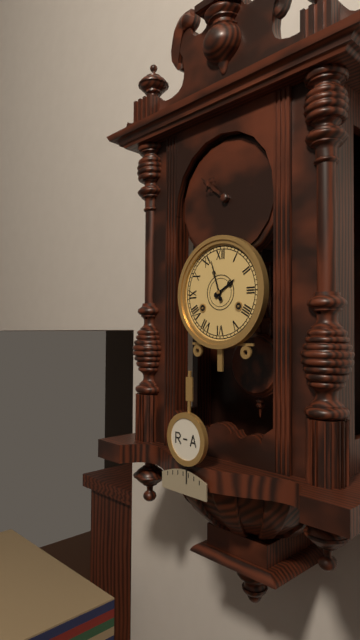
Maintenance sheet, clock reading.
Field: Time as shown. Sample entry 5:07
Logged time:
1:57
